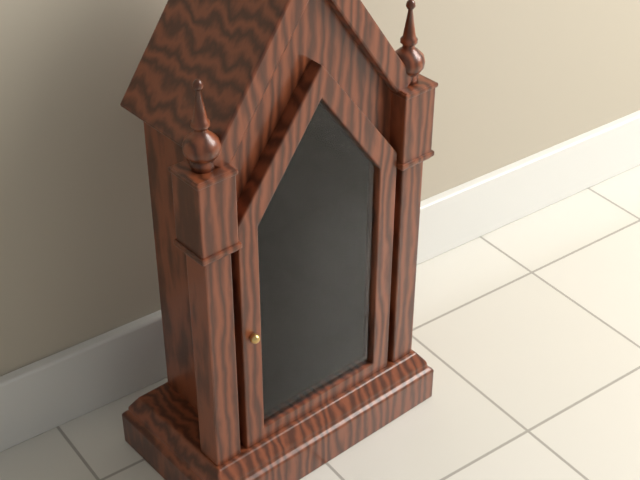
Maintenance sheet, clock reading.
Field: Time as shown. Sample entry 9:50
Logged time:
11:01
